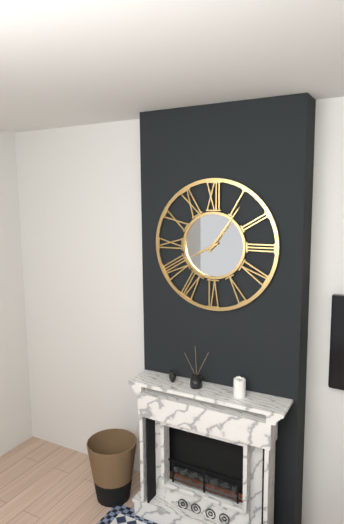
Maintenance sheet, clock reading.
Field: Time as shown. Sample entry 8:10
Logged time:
8:06
